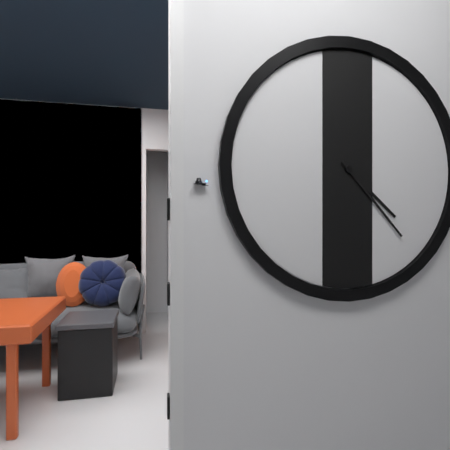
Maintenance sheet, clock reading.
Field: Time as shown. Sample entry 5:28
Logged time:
4:23
